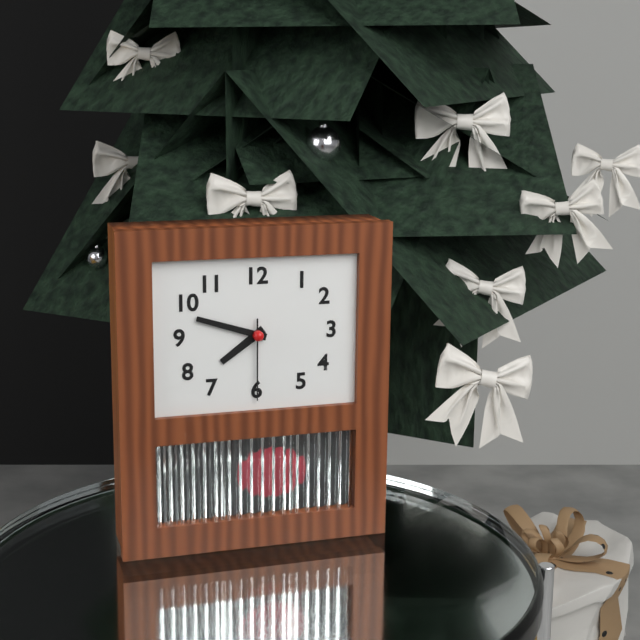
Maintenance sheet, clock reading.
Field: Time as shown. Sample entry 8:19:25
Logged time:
7:48:30
